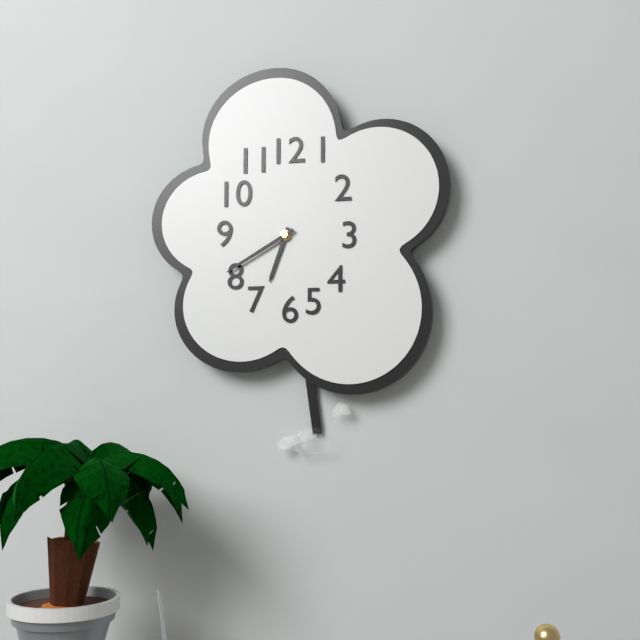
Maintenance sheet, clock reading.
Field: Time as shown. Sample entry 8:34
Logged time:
6:40
